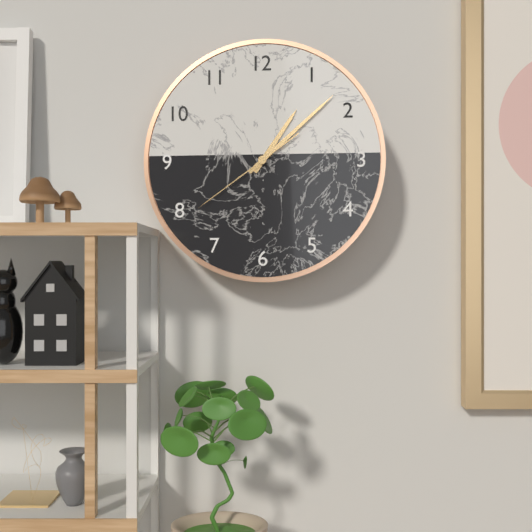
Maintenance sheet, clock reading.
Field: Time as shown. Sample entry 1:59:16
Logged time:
1:08:39
